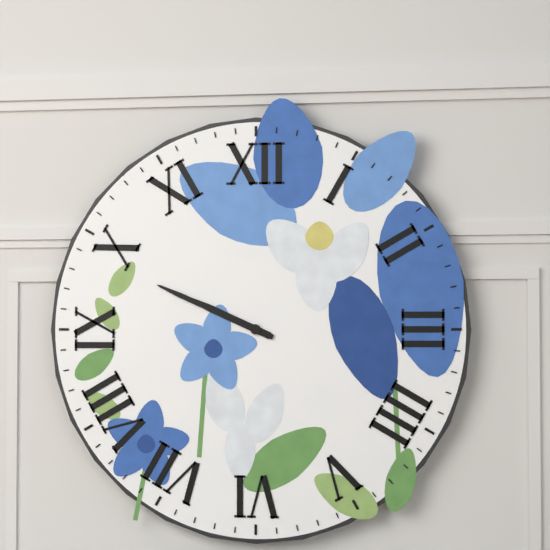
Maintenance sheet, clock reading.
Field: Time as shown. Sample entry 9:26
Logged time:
9:49
